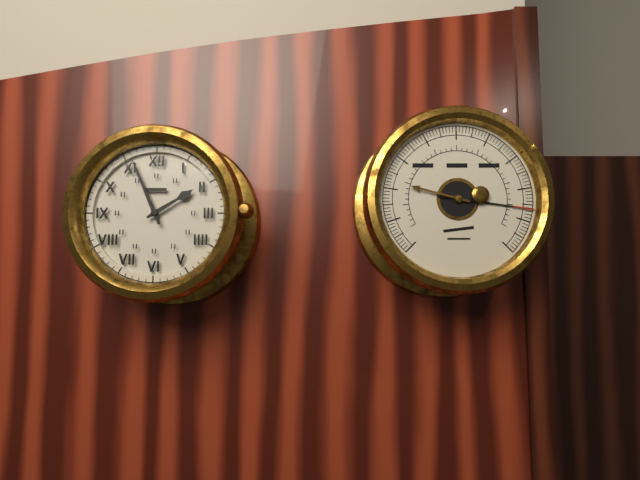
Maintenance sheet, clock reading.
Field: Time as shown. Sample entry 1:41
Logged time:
1:56
